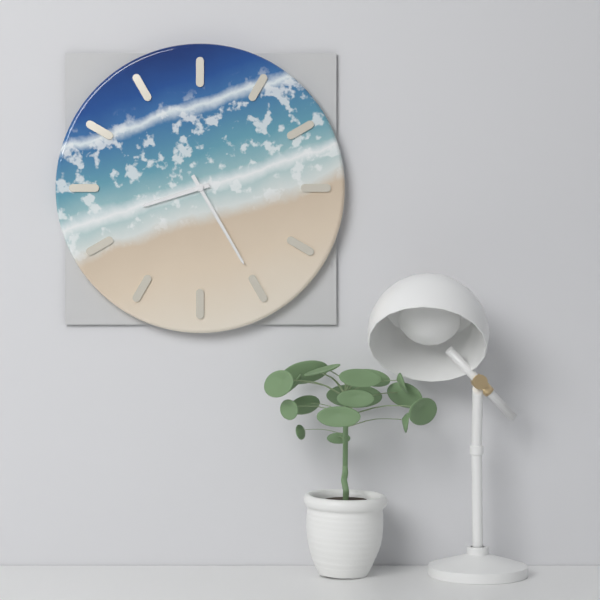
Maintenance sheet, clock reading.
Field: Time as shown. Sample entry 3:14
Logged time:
8:25
